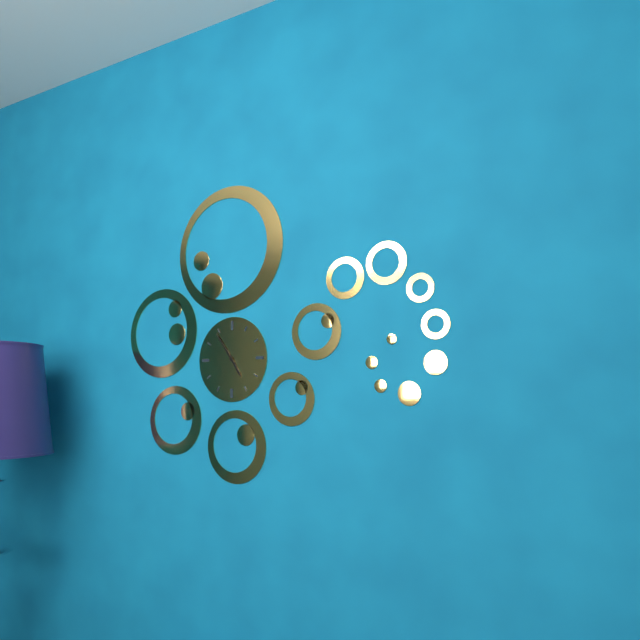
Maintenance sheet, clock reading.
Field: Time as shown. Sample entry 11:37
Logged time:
4:54
